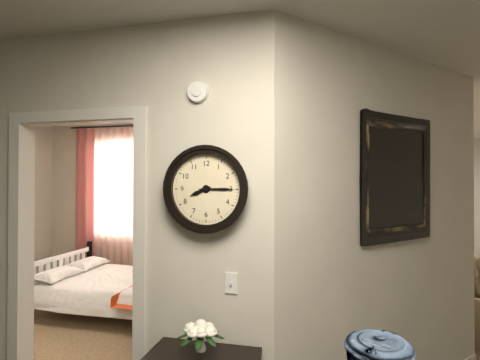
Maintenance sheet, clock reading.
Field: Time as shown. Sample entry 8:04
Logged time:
8:15
